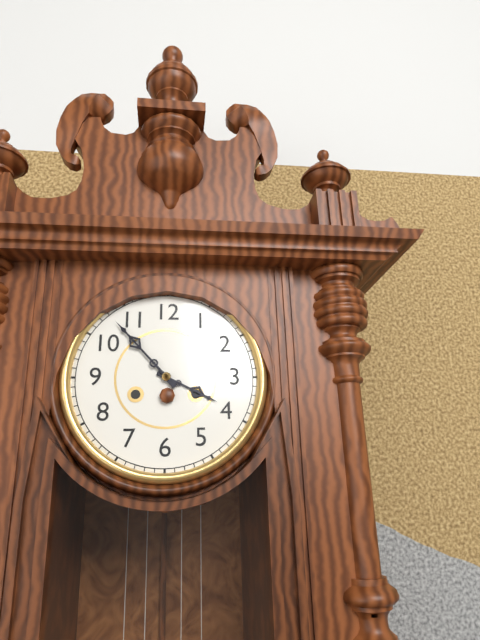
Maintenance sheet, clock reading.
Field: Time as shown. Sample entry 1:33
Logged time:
3:53
